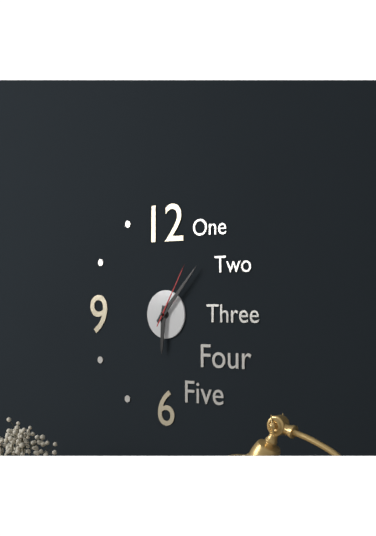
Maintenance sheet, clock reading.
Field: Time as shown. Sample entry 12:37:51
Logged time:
6:07:05
